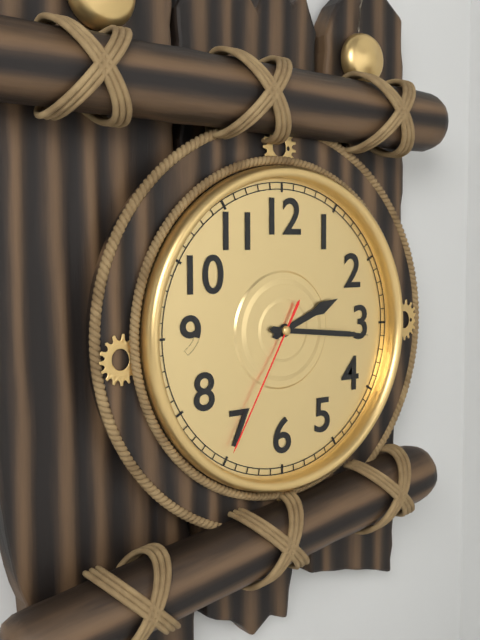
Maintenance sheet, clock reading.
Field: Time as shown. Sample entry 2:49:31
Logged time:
2:16:35
